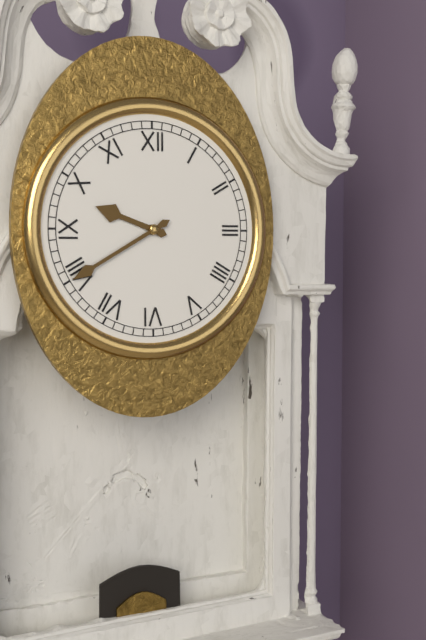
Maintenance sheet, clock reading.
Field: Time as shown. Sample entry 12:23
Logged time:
9:40
